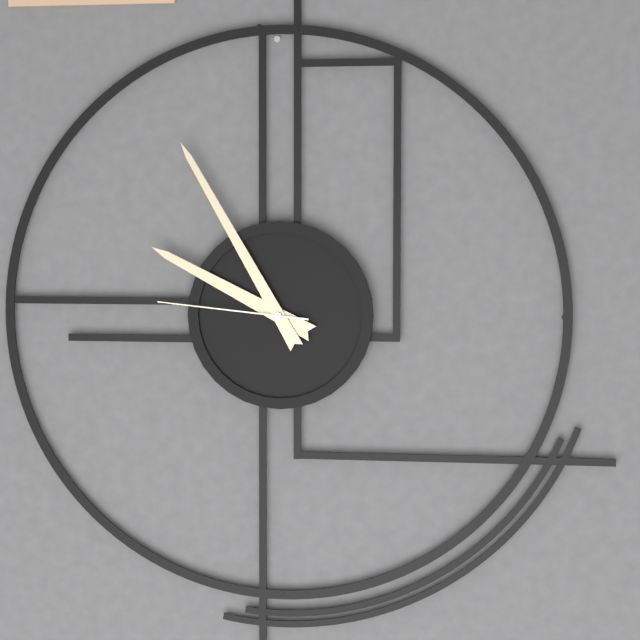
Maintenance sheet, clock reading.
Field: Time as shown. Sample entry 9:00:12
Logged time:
9:55:46
